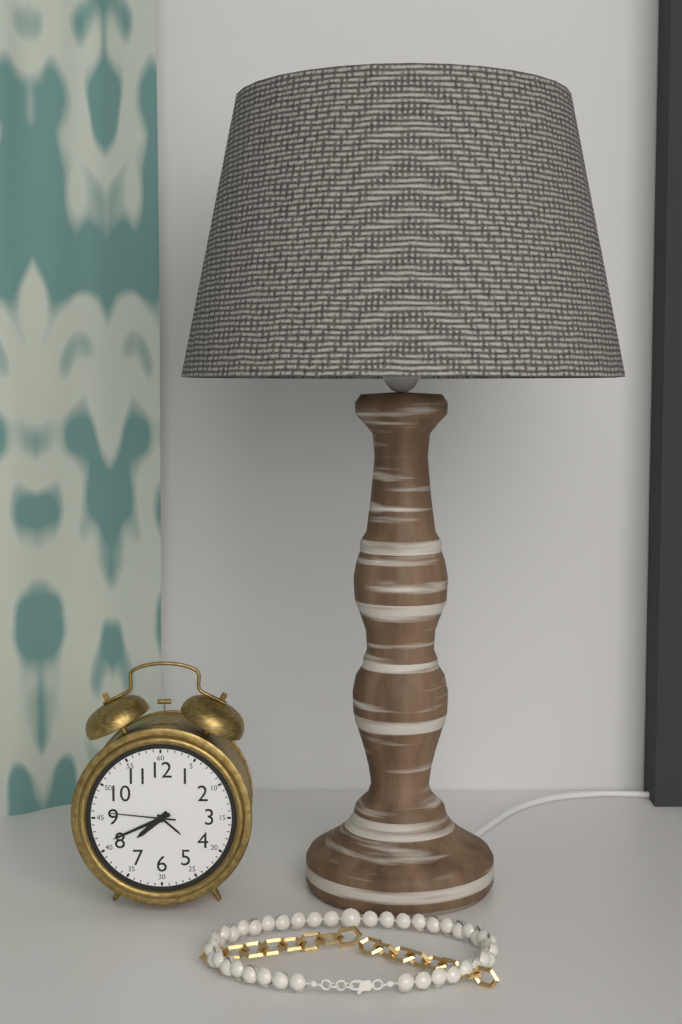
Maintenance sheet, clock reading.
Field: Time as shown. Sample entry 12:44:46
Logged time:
7:41:46
